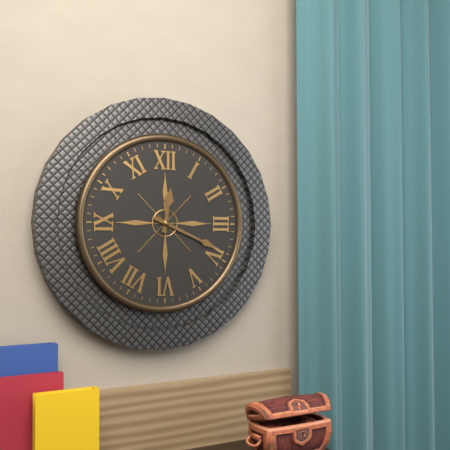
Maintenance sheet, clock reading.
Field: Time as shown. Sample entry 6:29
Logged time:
12:19
